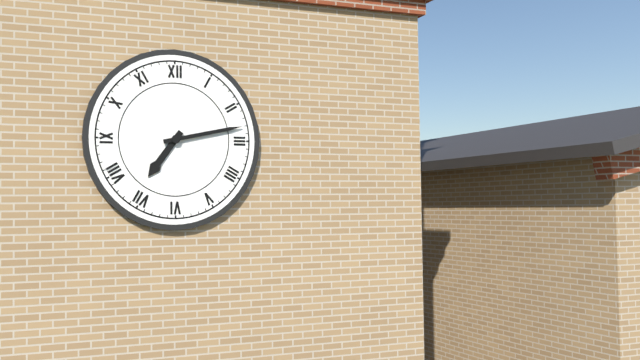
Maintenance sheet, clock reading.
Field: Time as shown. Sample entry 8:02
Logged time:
7:13
